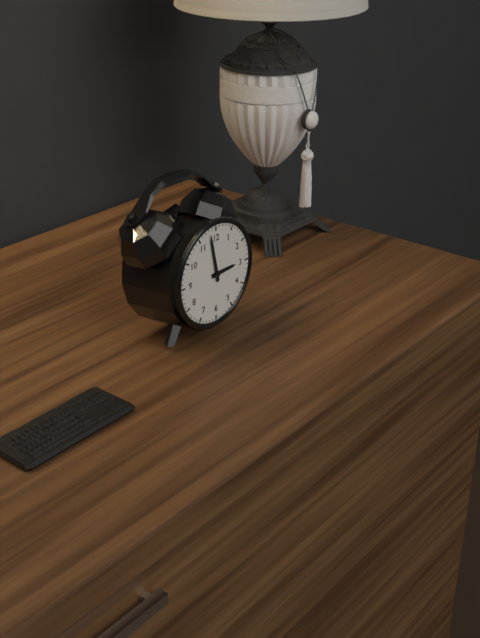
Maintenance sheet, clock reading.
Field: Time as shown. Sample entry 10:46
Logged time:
2:58
